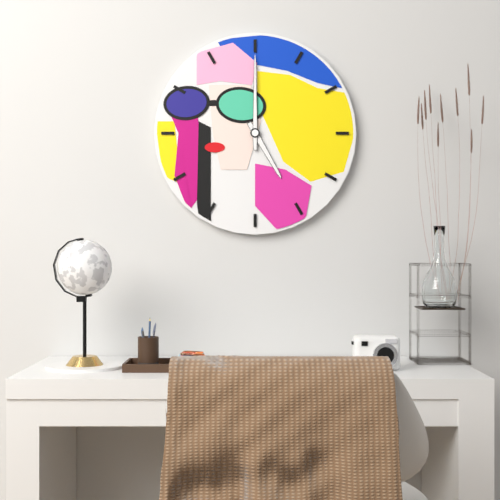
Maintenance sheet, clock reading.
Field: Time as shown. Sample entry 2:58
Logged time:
5:00
